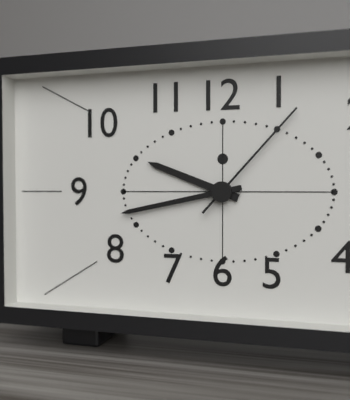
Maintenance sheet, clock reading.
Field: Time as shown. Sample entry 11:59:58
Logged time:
9:43:07
